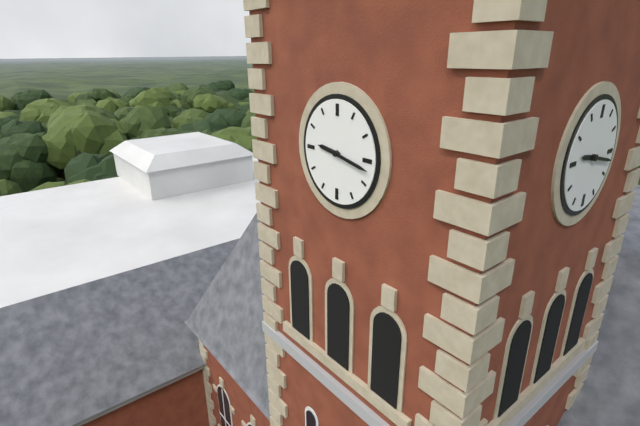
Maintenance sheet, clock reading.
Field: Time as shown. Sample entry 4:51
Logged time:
9:17
